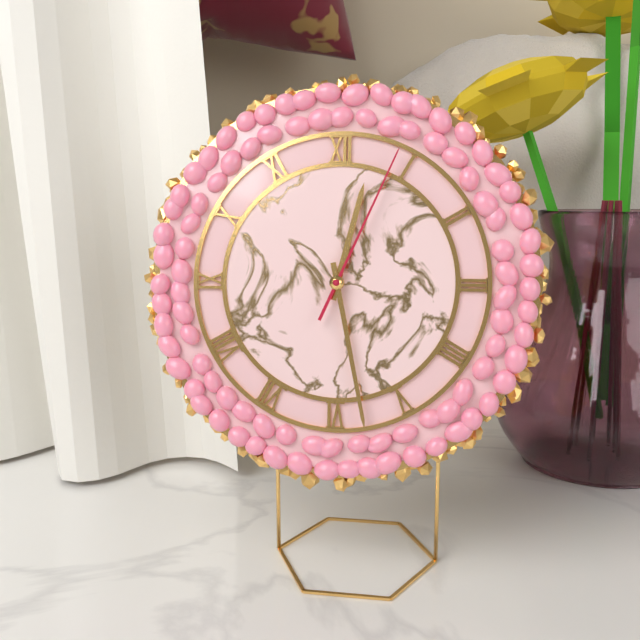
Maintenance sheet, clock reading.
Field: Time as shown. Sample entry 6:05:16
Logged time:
12:28:04
